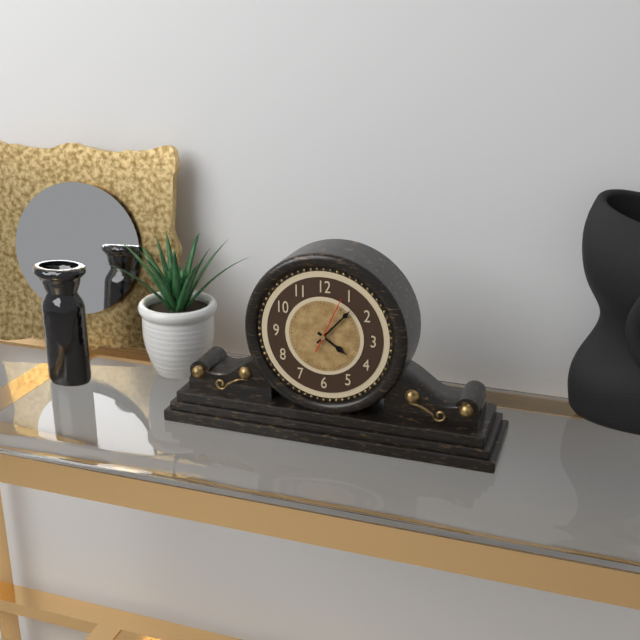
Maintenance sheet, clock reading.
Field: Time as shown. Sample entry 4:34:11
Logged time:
4:07:04
